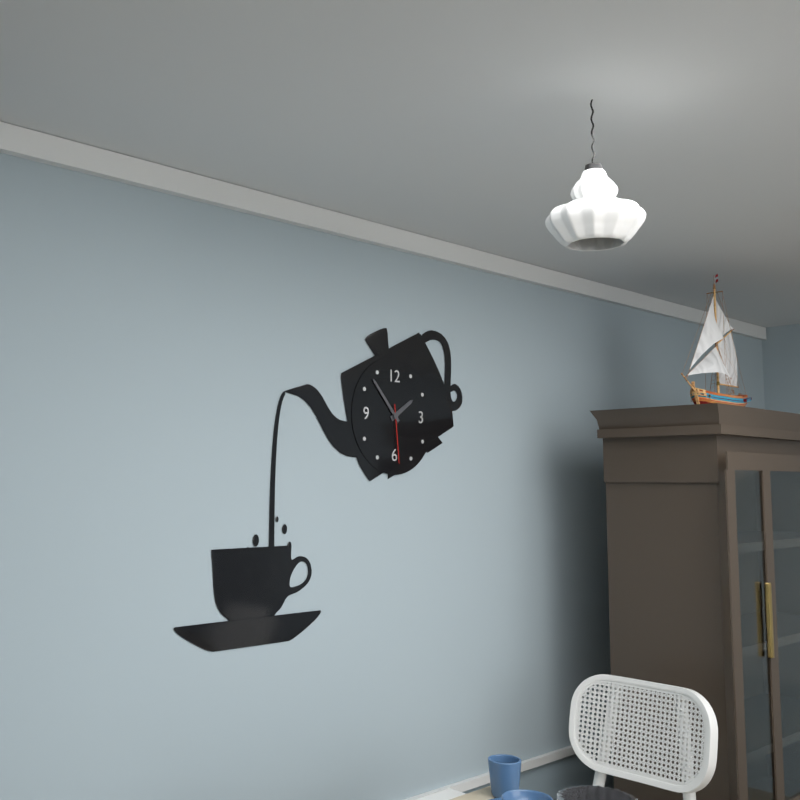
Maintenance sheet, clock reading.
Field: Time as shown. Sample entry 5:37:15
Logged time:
1:53:29
